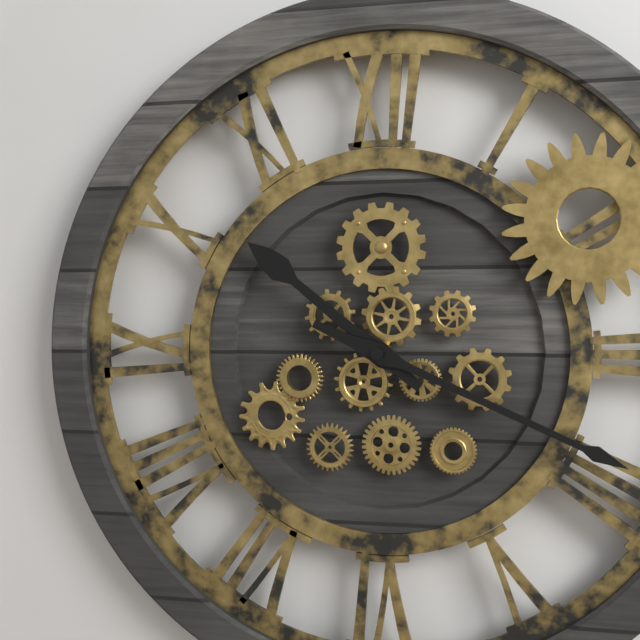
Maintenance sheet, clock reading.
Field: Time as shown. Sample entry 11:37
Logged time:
10:19
